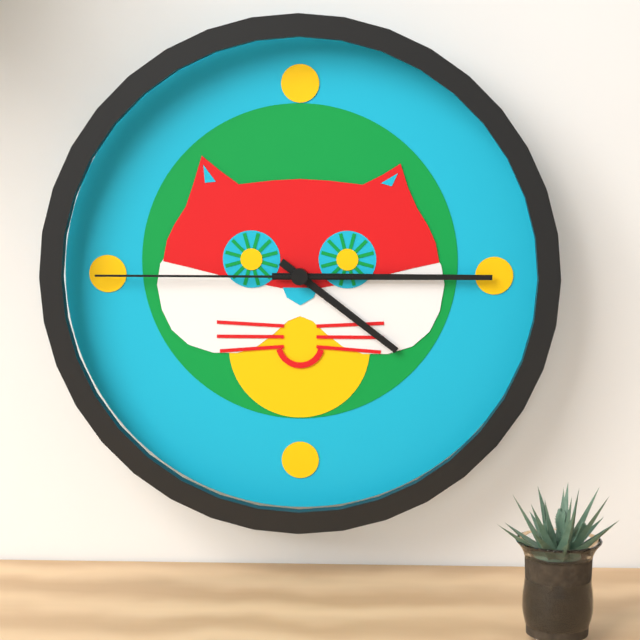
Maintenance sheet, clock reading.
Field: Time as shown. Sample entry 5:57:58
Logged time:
4:15:45
